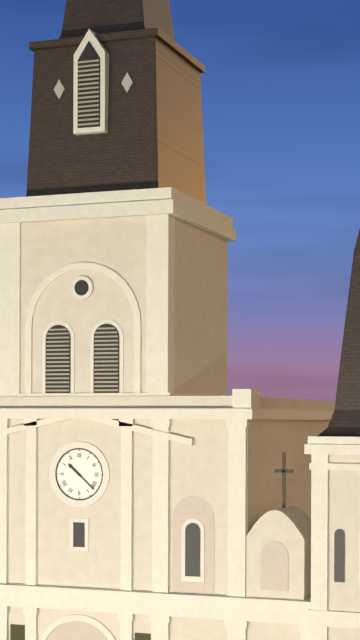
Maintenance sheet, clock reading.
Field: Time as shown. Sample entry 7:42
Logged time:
10:22
